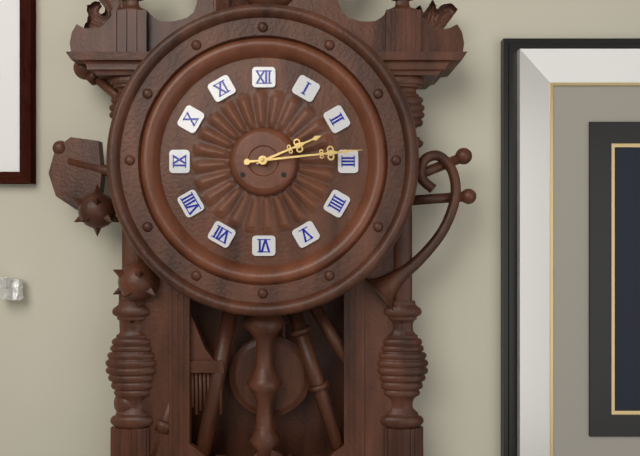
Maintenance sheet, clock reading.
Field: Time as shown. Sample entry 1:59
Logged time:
2:14
